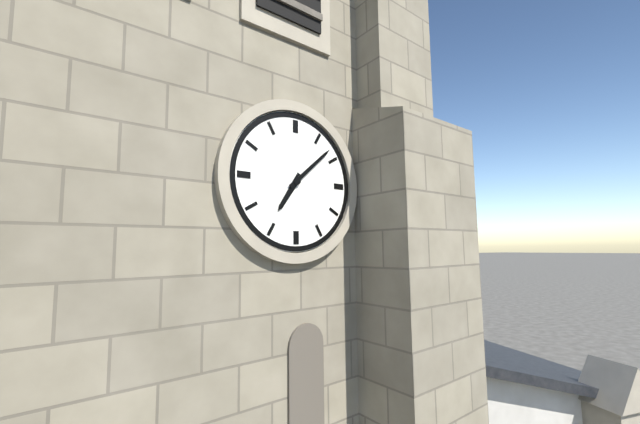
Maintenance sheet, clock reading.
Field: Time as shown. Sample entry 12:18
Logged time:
7:08
